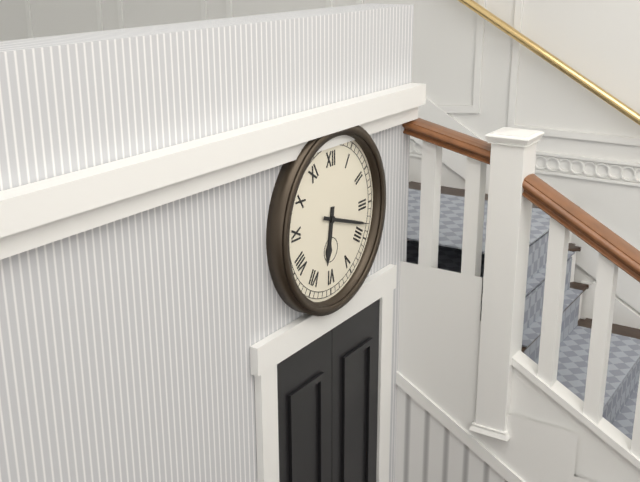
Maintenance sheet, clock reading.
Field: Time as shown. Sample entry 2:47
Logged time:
6:18
